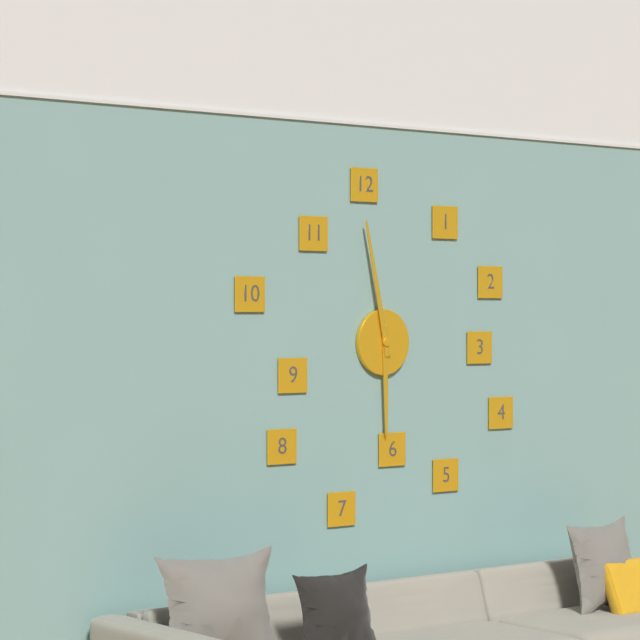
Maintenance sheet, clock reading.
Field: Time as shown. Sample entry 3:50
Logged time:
5:58
